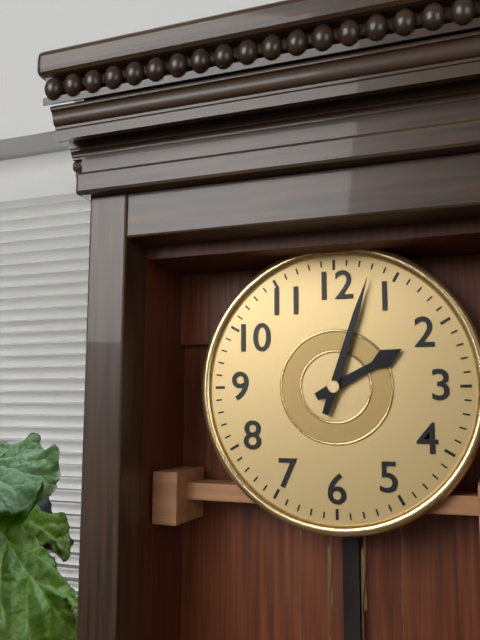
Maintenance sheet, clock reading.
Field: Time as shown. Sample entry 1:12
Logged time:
2:03
